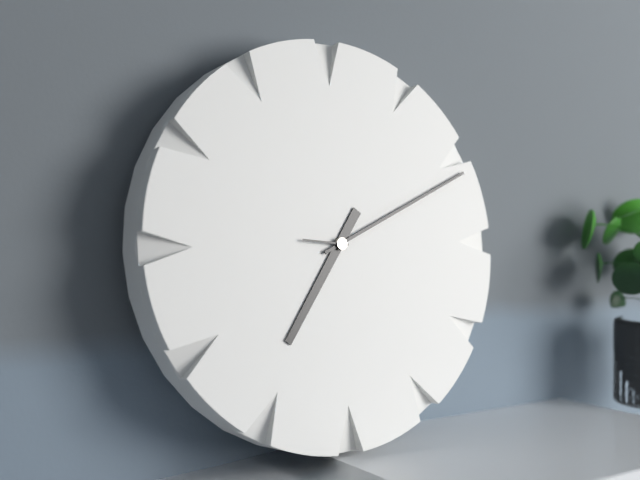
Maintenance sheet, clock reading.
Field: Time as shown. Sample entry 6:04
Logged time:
7:11
